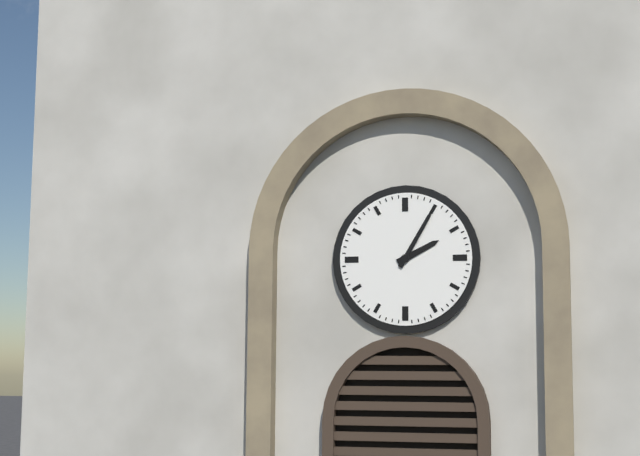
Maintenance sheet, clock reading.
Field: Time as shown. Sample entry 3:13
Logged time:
2:05
